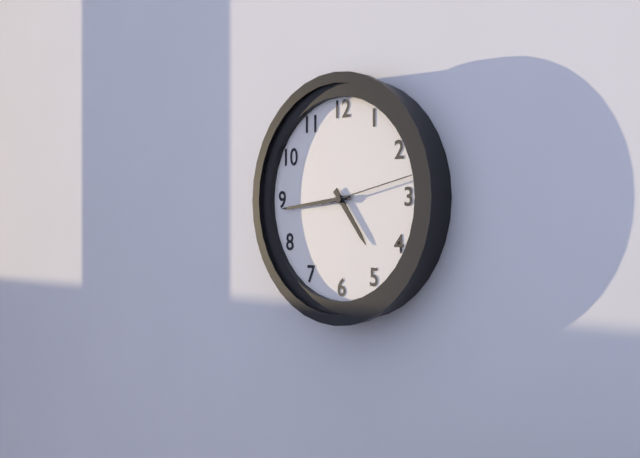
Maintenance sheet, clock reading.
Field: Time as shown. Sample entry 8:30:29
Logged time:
4:44:13
